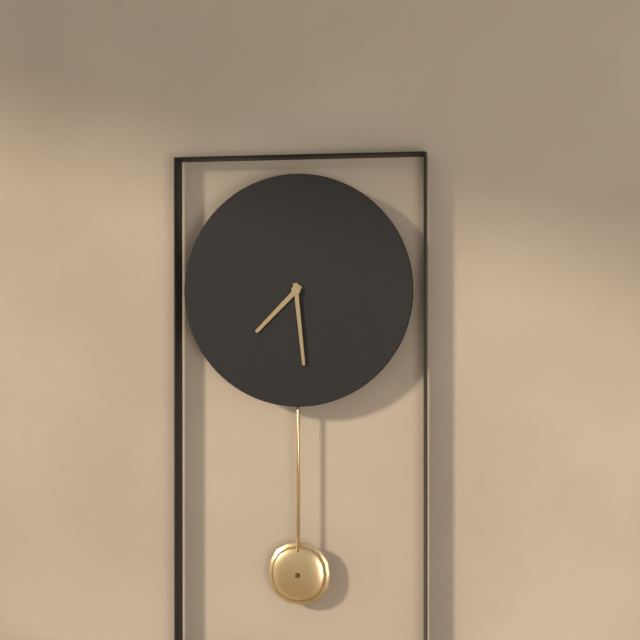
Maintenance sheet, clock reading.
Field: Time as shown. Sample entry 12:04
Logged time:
7:29
